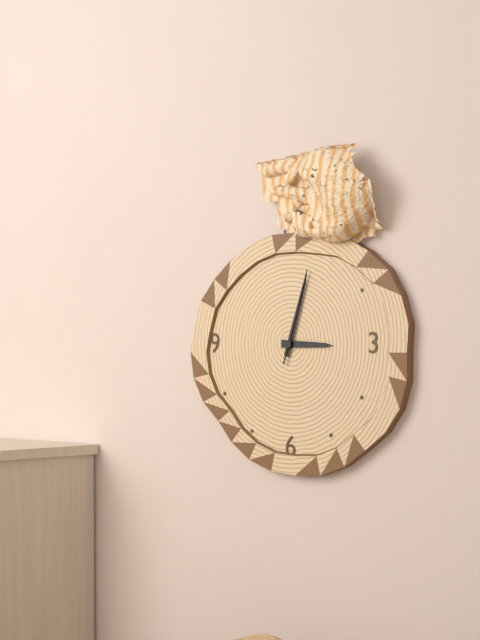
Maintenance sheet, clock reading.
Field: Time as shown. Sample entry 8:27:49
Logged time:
3:03:03
